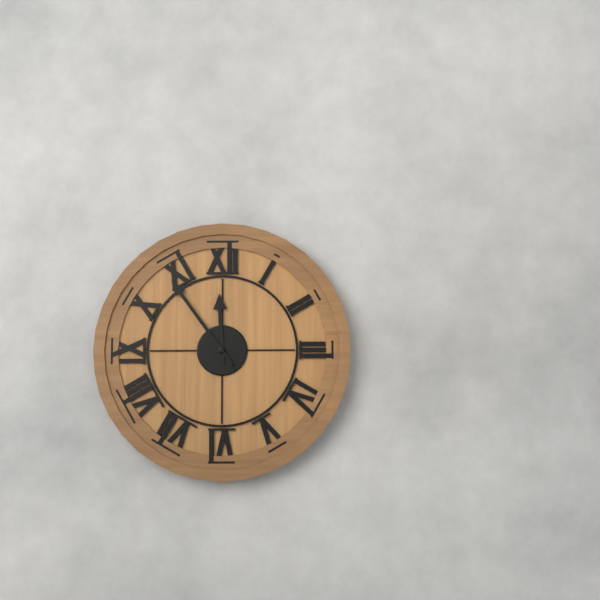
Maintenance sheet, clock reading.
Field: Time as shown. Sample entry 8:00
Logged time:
11:54
